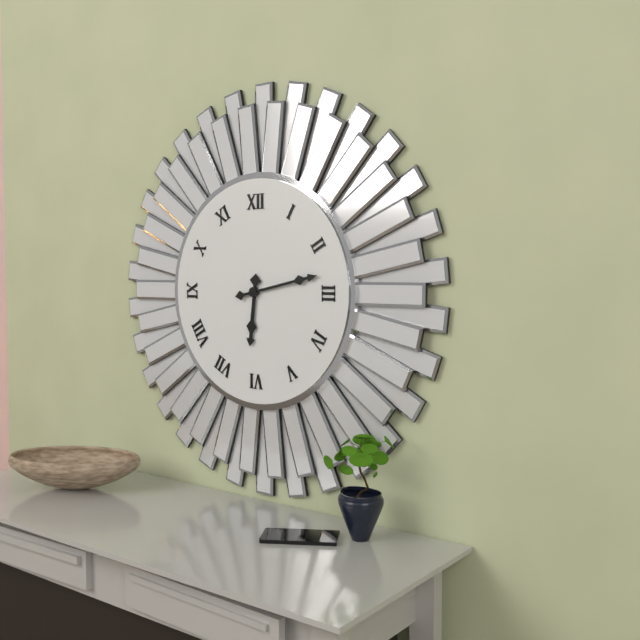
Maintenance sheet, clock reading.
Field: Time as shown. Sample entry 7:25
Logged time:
6:13
